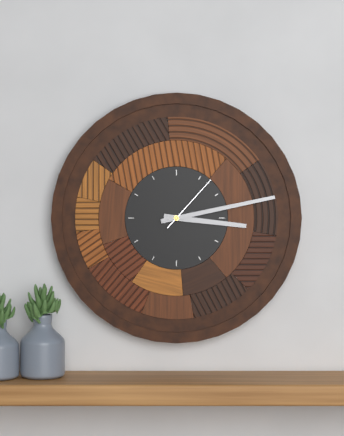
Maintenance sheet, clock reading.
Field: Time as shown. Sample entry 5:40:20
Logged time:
3:13:07
